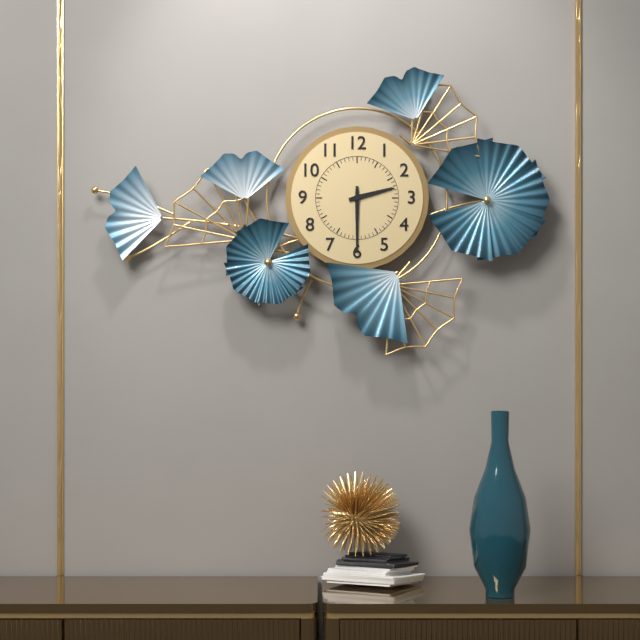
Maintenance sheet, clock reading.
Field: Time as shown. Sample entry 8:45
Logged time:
2:30
